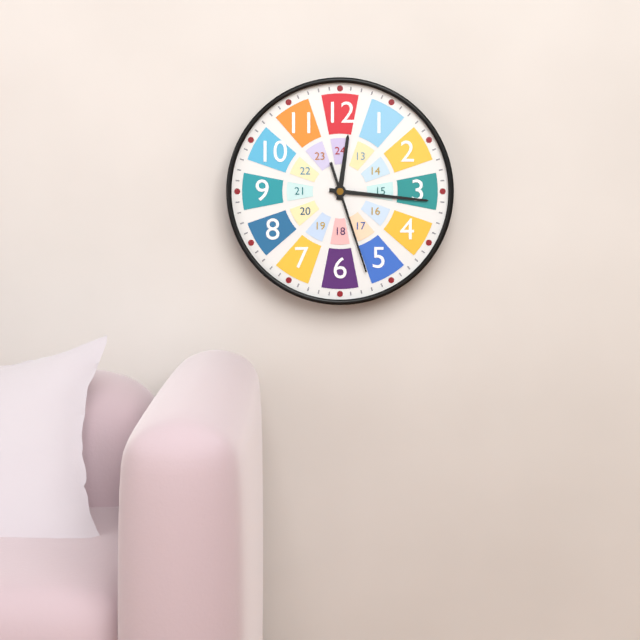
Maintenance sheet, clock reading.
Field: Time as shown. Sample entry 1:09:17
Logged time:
12:16:27
